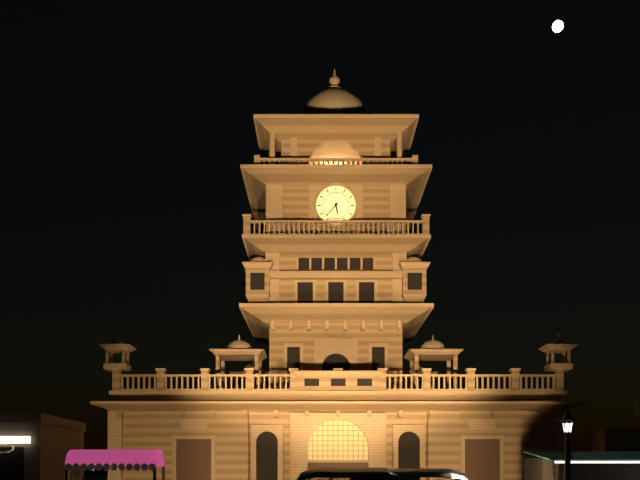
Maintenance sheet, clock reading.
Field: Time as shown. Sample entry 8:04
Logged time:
5:37
